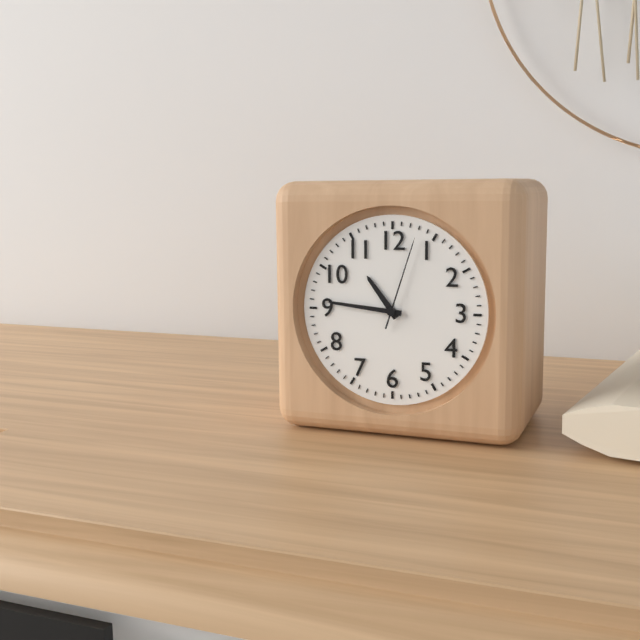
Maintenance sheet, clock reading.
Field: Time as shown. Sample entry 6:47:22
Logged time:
10:46:03
